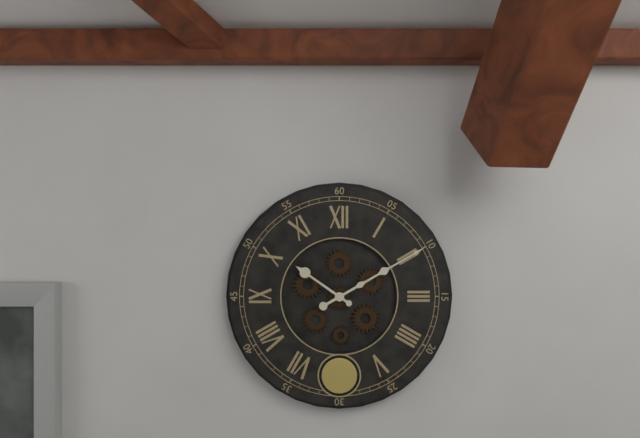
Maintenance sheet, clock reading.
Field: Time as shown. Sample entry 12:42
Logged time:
10:10
